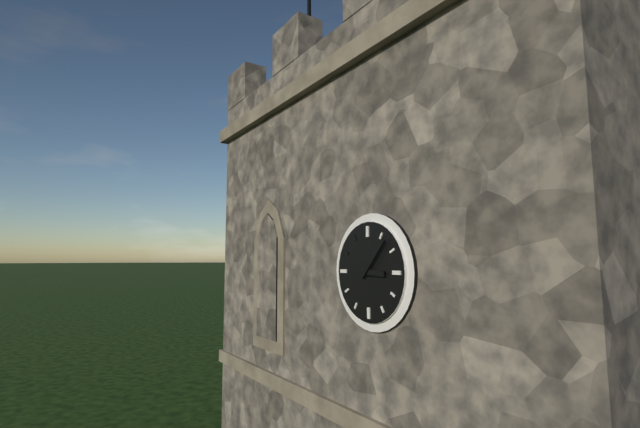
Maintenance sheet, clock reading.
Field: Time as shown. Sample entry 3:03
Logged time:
3:07
